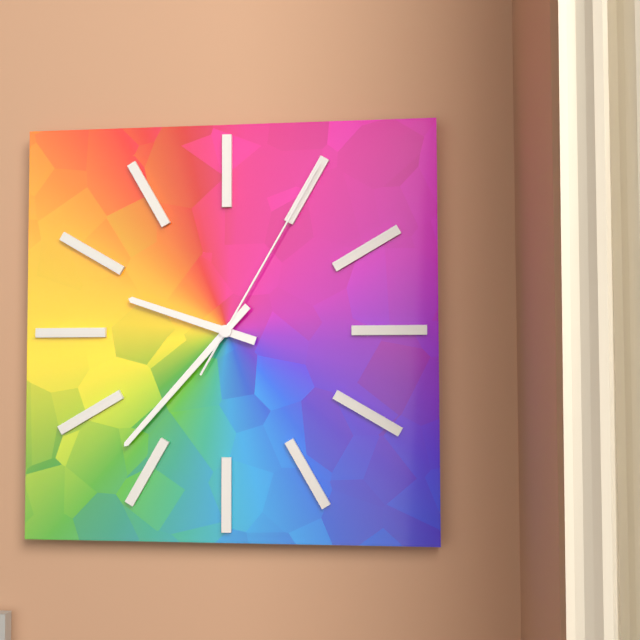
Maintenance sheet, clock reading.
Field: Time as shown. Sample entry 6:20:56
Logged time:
9:37:05
